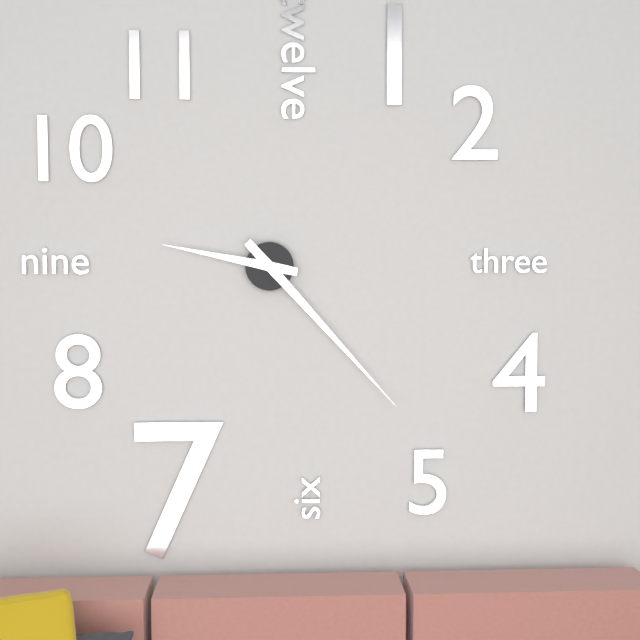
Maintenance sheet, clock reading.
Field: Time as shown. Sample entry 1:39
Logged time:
9:23
